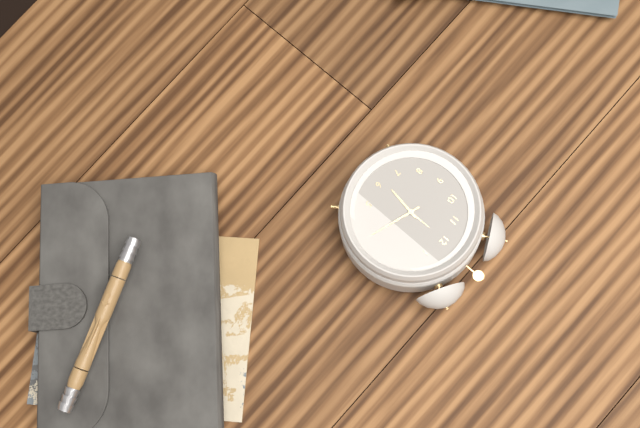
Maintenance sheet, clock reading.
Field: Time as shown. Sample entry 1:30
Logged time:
6:18
